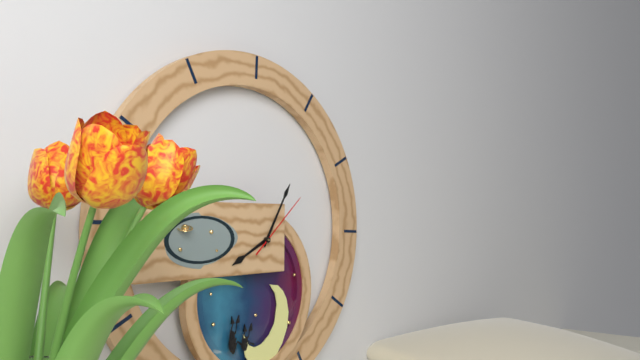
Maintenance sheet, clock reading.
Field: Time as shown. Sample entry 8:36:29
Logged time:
8:05:08
